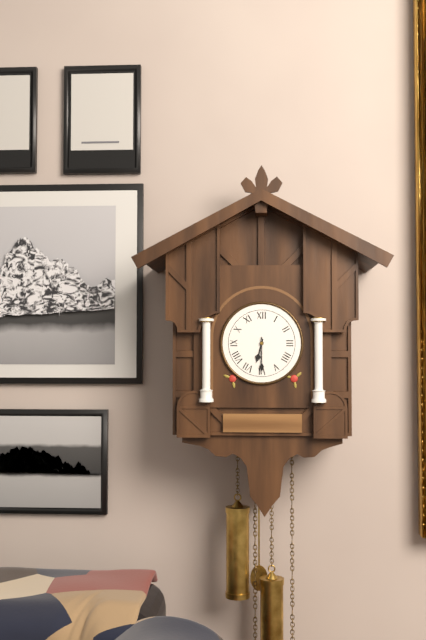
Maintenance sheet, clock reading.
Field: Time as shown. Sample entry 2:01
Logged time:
6:30
